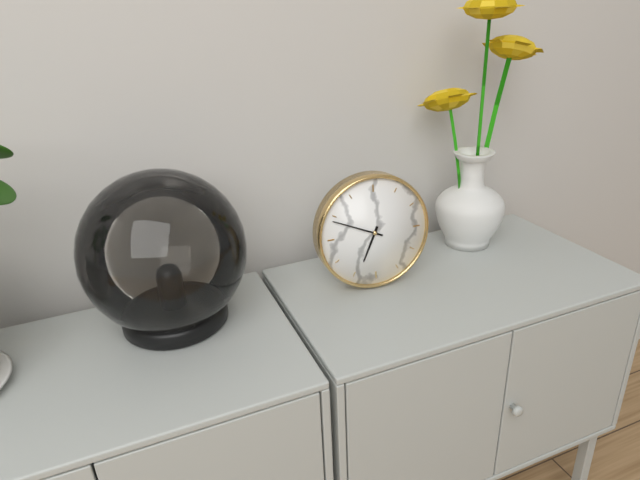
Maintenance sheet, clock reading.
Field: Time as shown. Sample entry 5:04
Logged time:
6:49
